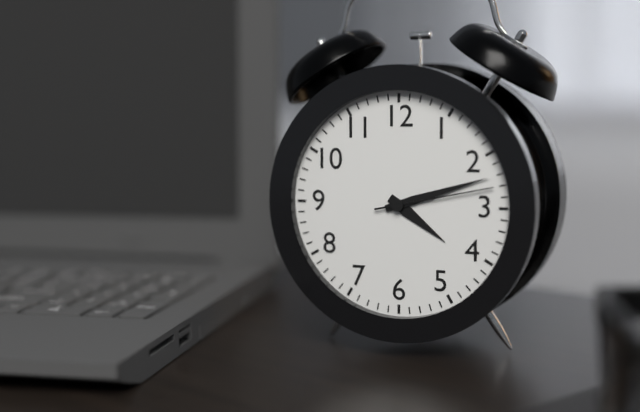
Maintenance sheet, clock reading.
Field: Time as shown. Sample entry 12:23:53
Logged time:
4:12:13
